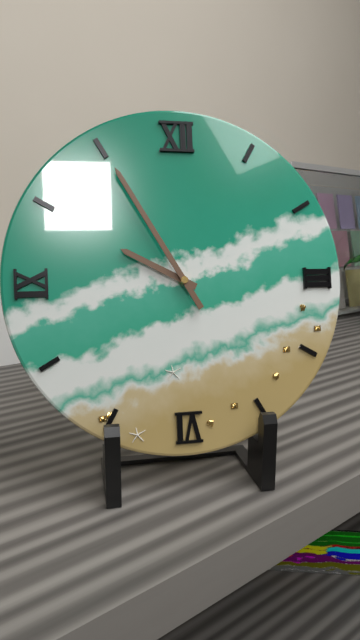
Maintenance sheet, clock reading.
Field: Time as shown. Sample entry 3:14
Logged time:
9:55
